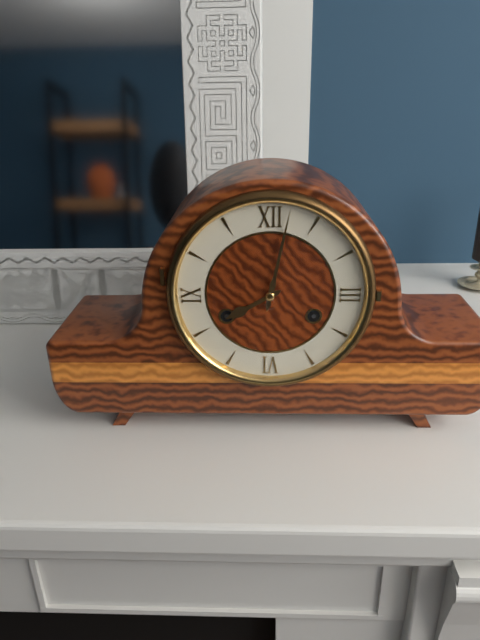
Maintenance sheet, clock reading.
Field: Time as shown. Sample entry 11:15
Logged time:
8:02
